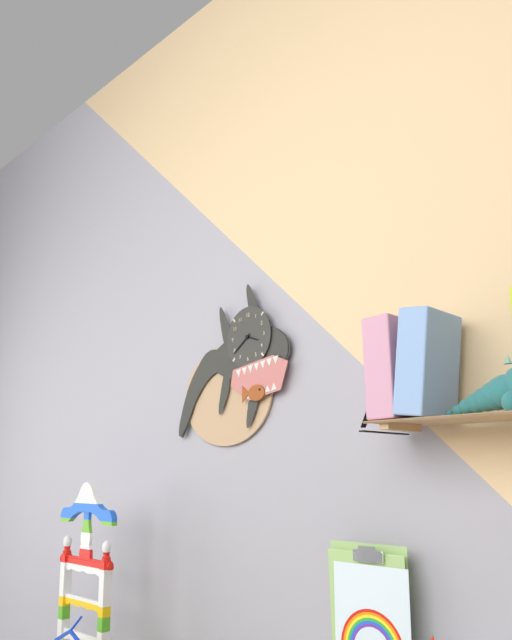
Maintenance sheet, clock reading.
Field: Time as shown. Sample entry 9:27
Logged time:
3:39
